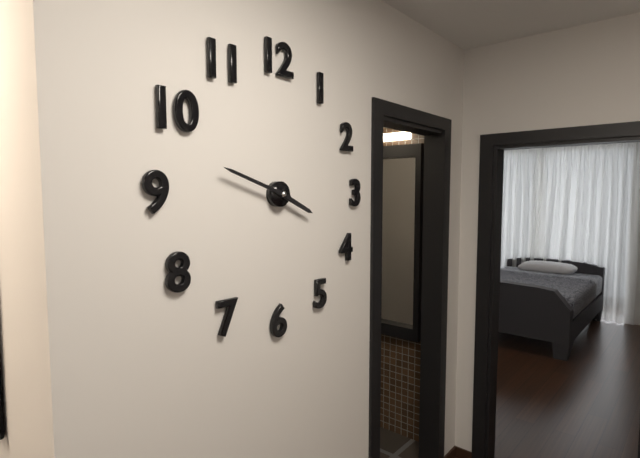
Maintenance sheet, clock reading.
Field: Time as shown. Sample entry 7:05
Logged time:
3:48
